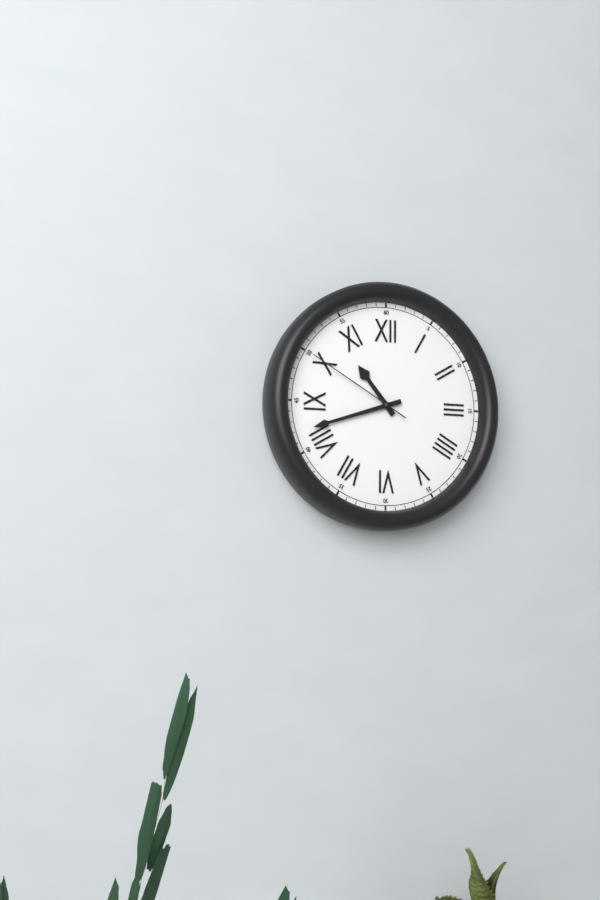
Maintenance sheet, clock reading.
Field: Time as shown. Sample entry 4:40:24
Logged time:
10:42:50
